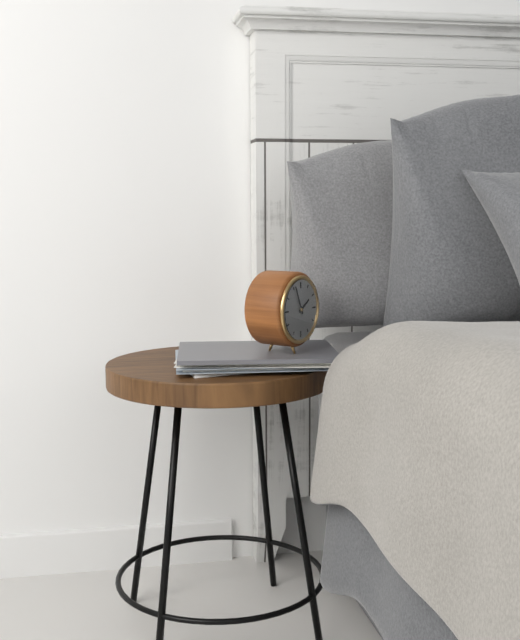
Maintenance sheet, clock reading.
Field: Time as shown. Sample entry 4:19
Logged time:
1:56
